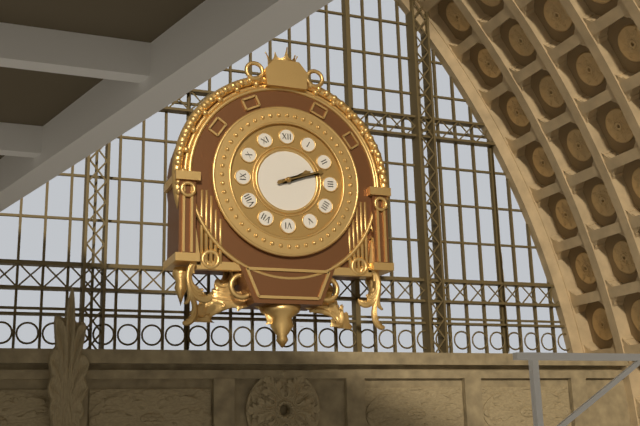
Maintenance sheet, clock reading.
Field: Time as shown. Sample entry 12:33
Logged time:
2:12
